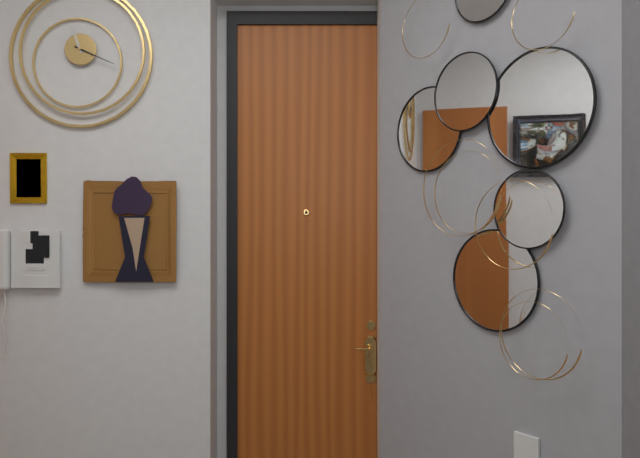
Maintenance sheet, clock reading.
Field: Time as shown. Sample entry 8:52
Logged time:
11:19
